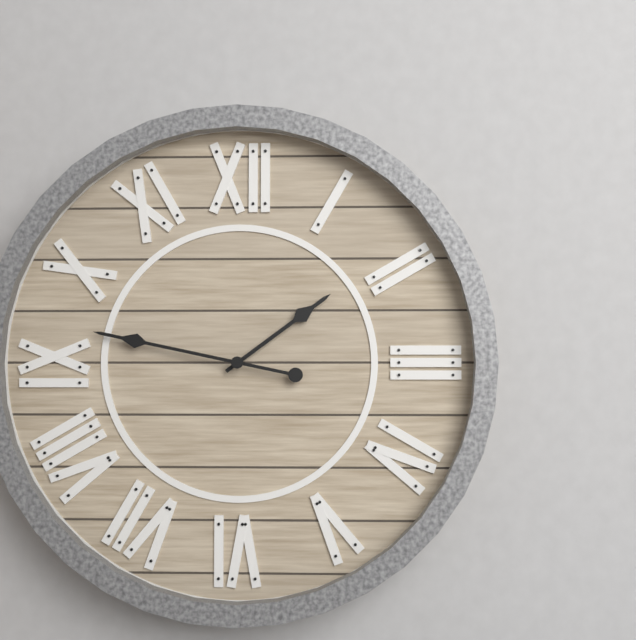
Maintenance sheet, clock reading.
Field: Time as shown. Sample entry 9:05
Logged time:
1:47
